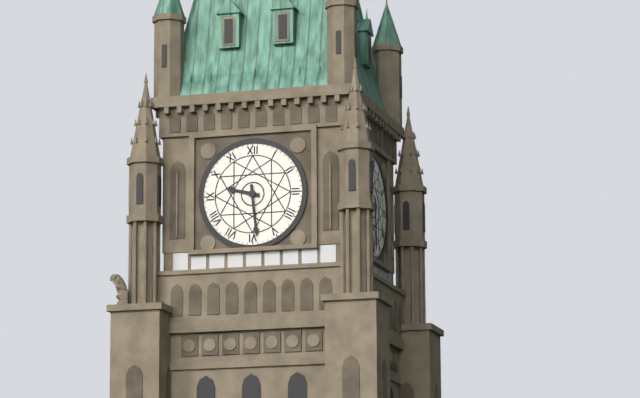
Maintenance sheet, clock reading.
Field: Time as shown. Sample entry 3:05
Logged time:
9:29
